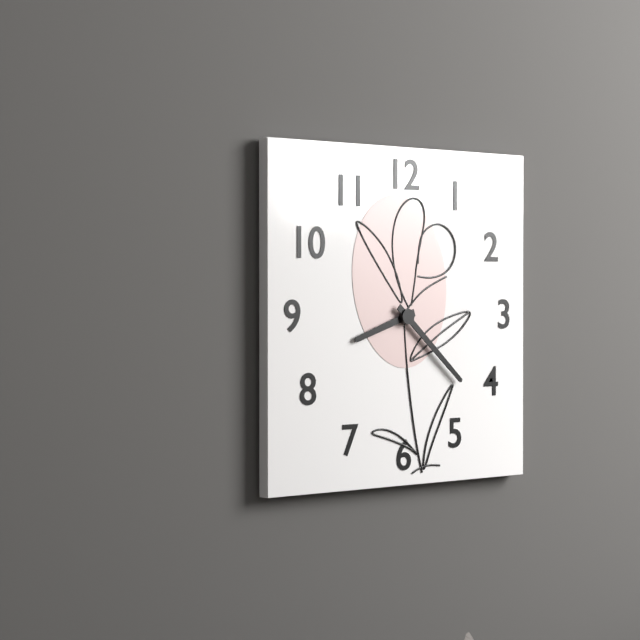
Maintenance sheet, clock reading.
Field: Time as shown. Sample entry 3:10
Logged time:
8:22
